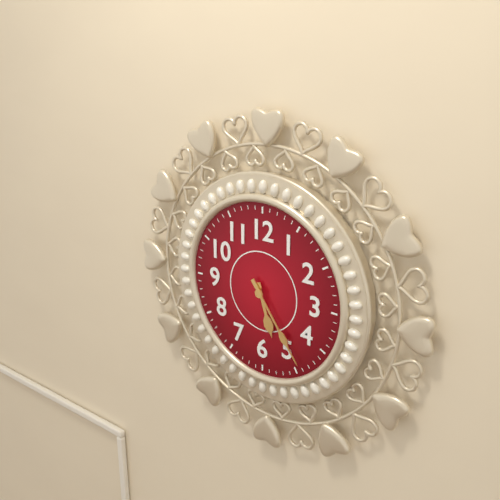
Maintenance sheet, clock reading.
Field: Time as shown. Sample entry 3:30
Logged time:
5:24
